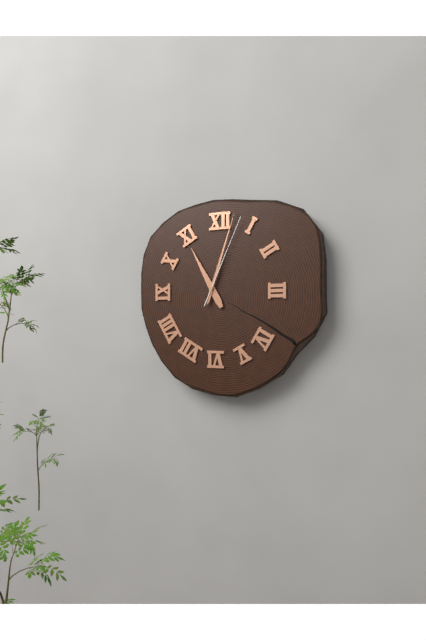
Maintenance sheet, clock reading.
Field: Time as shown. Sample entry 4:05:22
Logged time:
11:03:04
